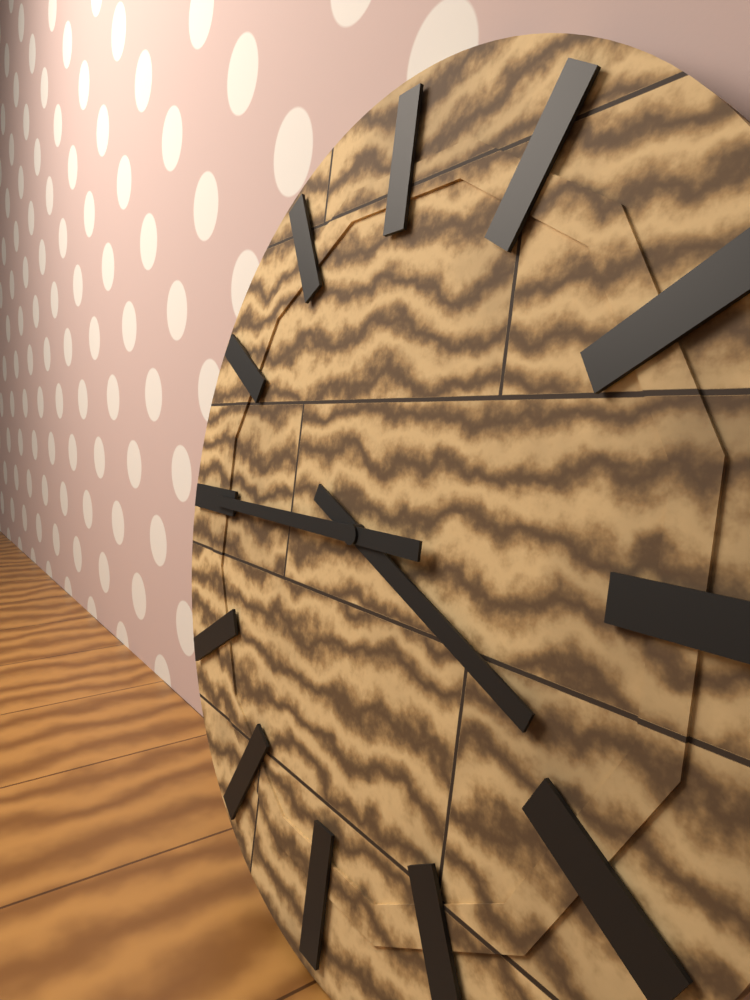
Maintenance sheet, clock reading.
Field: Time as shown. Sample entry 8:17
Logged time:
3:45
